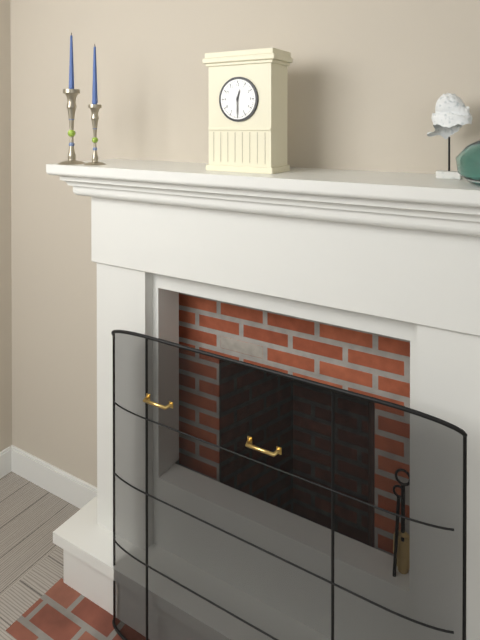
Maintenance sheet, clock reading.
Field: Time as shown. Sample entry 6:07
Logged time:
12:30
